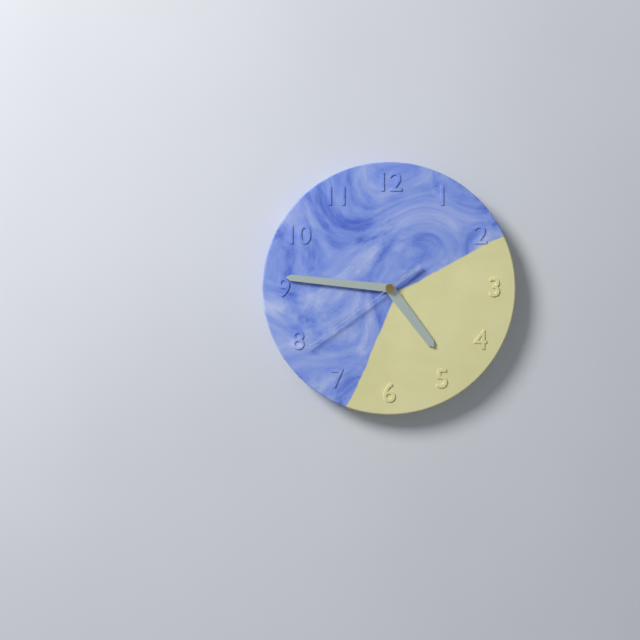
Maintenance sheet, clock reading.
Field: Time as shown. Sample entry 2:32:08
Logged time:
4:46:39
